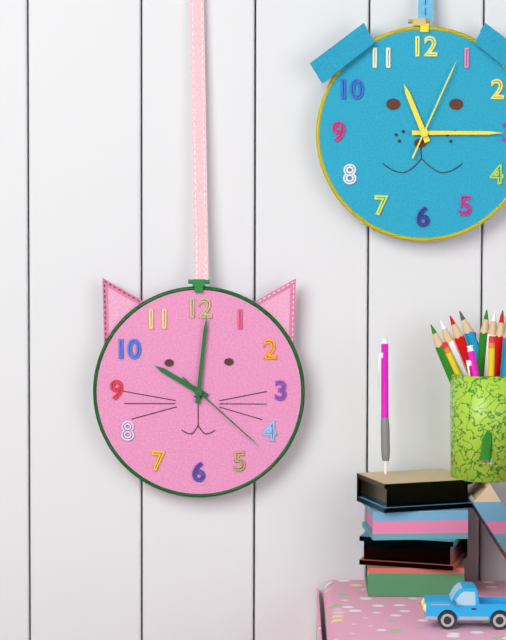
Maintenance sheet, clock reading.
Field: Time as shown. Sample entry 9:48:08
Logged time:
10:01:22
